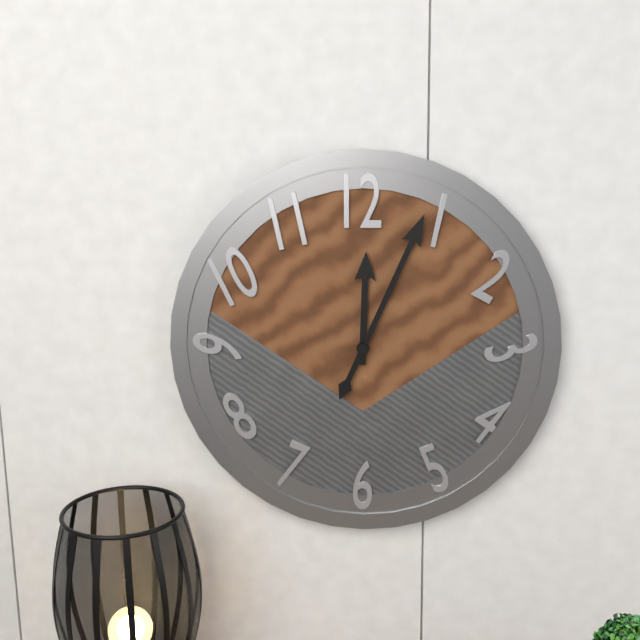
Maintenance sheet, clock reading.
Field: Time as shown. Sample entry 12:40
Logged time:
12:04
